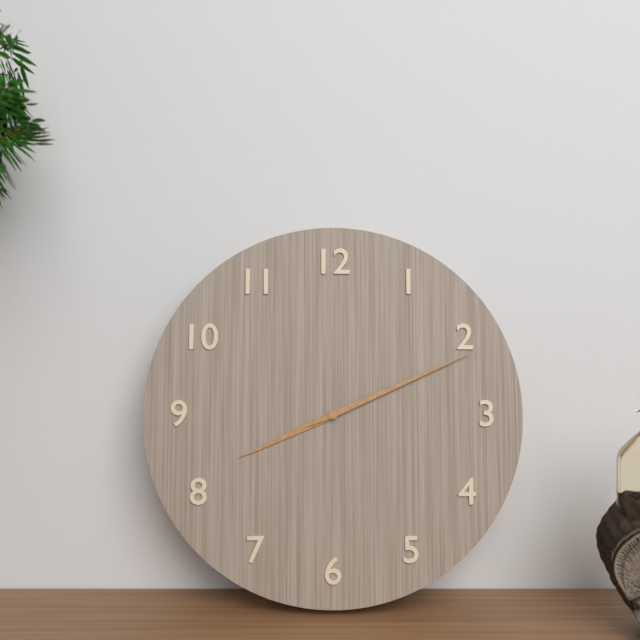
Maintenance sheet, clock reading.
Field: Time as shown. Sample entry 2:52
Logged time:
8:11
